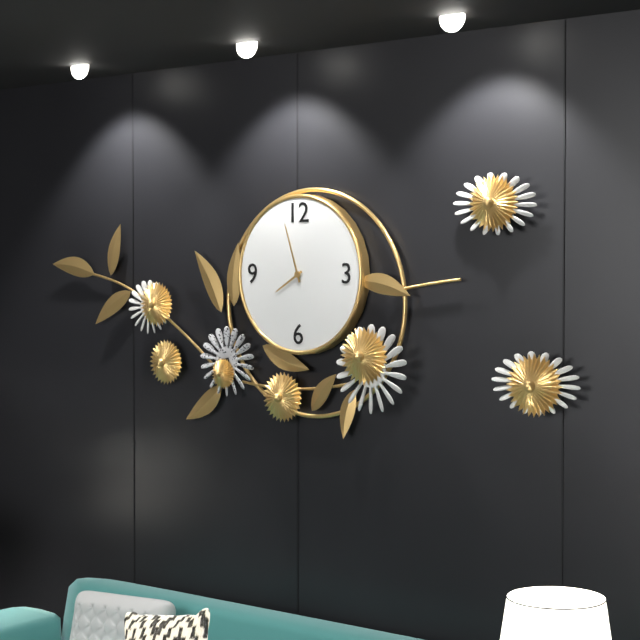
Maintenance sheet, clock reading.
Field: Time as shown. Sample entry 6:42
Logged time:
7:57
